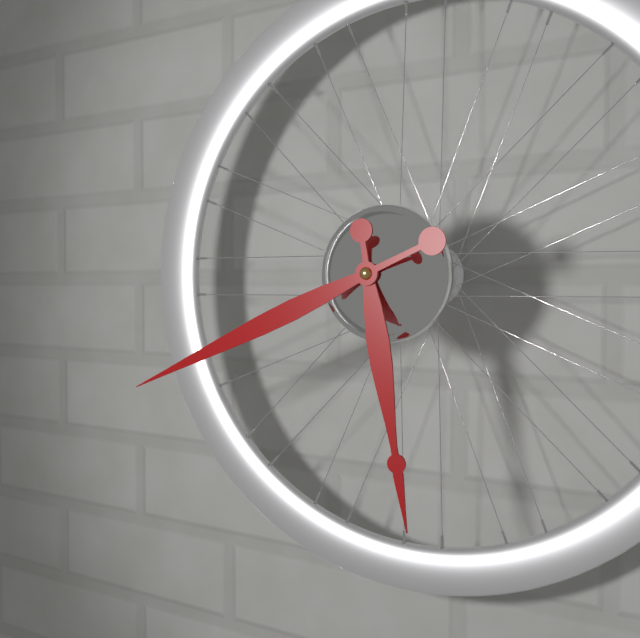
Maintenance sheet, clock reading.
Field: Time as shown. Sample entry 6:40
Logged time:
5:41
